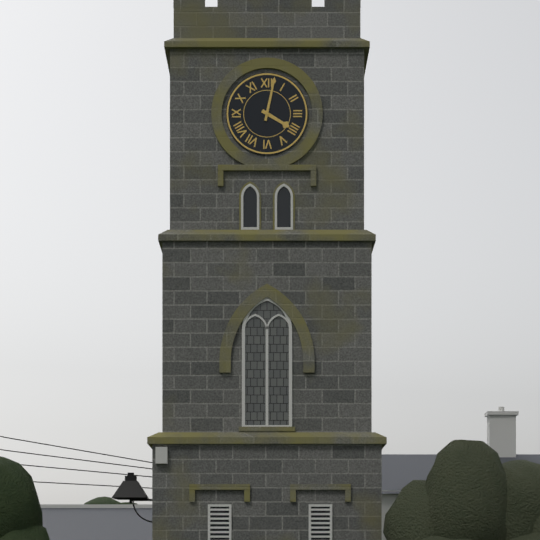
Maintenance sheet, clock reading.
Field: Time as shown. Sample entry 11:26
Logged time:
4:02
